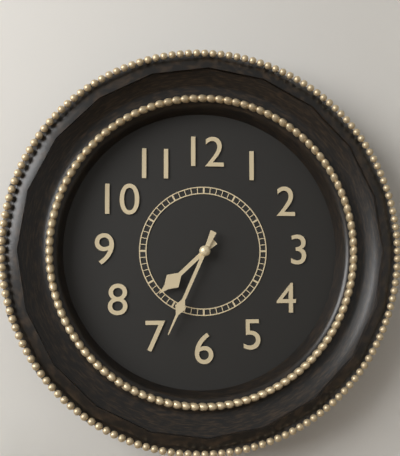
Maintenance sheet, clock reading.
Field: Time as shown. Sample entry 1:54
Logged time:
7:34
